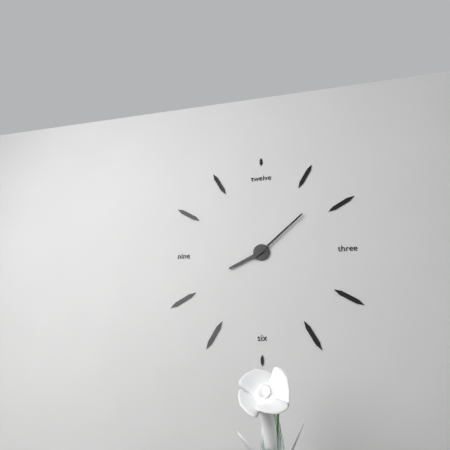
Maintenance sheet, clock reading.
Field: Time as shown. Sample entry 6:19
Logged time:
8:08
